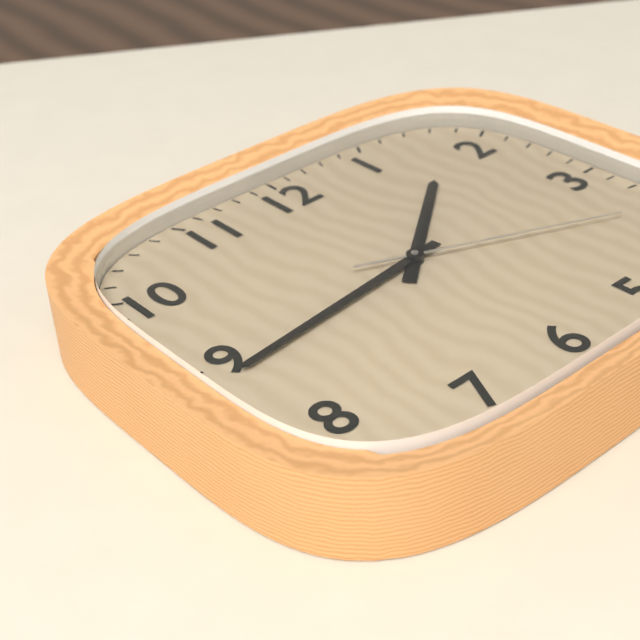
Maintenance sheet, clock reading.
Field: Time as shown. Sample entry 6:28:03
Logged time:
1:44:19
